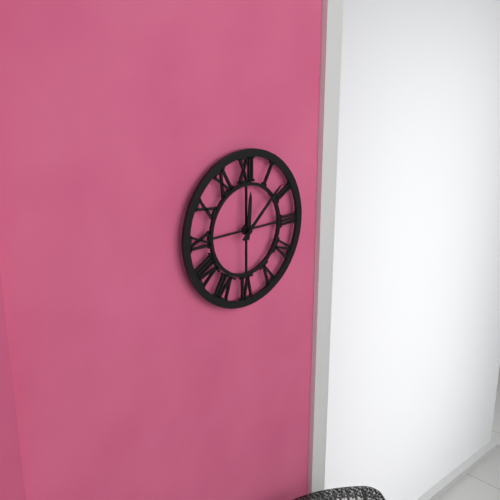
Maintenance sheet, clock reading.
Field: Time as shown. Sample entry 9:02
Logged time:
12:08
